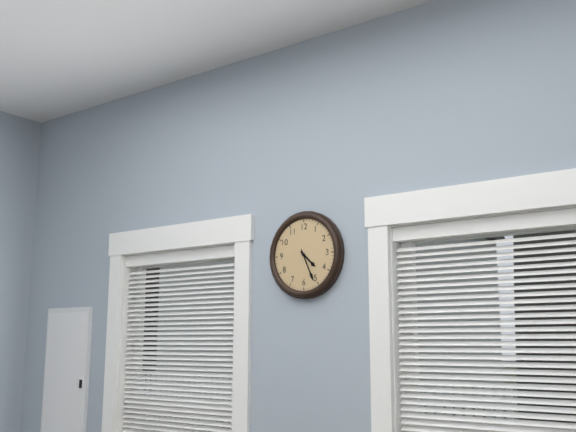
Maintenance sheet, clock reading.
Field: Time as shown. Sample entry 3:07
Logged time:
4:26
